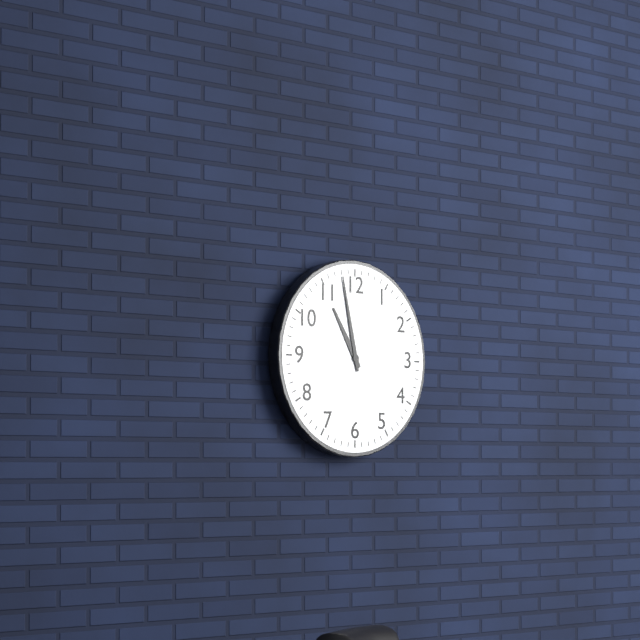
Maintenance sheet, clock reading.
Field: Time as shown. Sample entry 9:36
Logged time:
10:58
